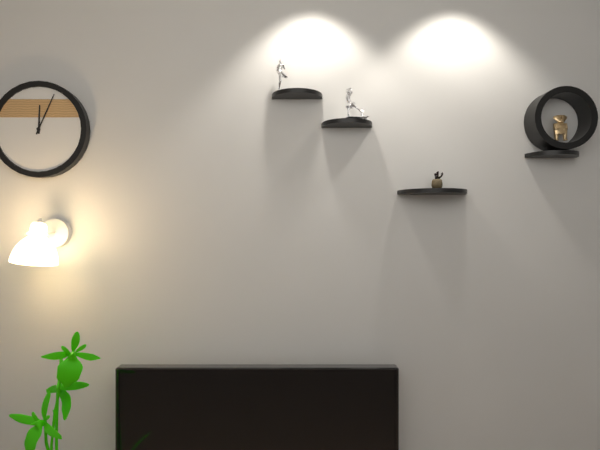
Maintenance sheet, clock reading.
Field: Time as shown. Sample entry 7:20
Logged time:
12:04
